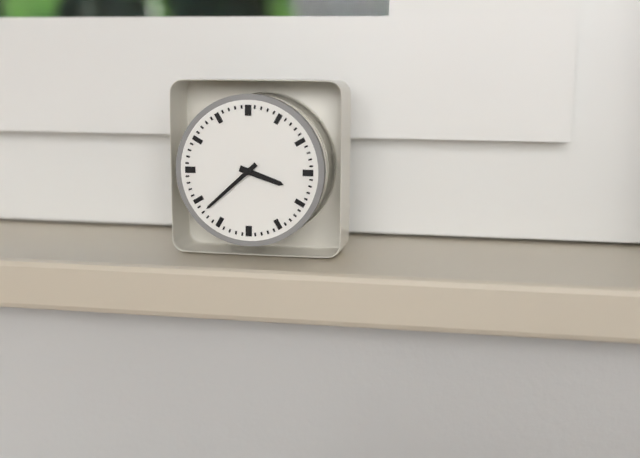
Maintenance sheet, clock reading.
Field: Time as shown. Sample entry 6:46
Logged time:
3:38
